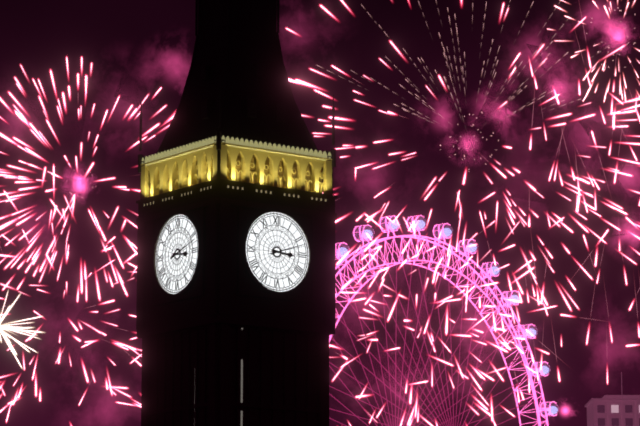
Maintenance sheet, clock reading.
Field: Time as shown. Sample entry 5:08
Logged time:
3:12
